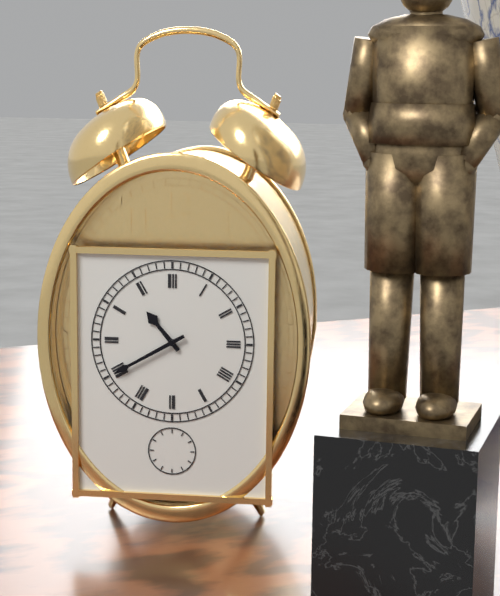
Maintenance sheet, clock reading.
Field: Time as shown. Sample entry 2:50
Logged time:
10:40
